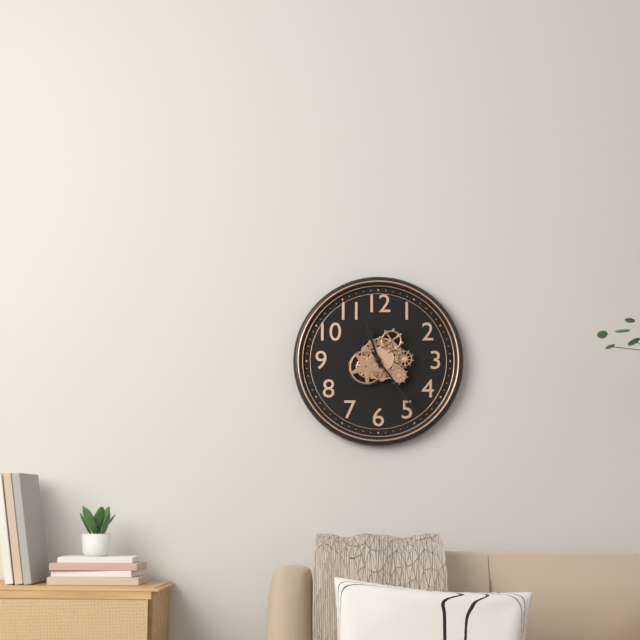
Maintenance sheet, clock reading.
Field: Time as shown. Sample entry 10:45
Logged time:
11:24
